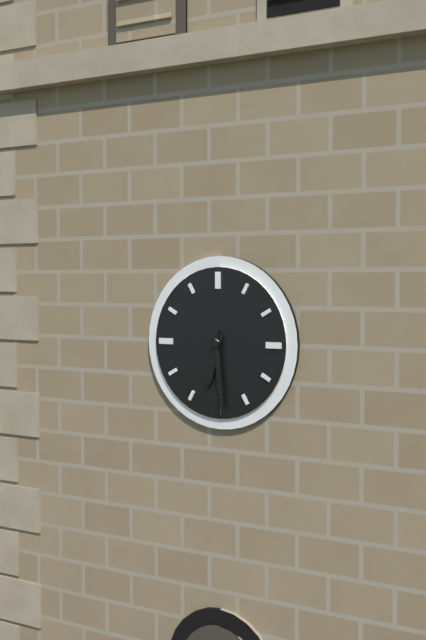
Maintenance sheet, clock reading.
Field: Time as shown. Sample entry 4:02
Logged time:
6:29
